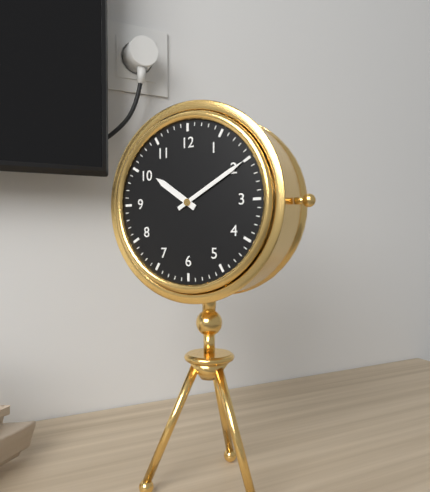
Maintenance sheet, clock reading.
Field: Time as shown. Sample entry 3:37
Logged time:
10:10
